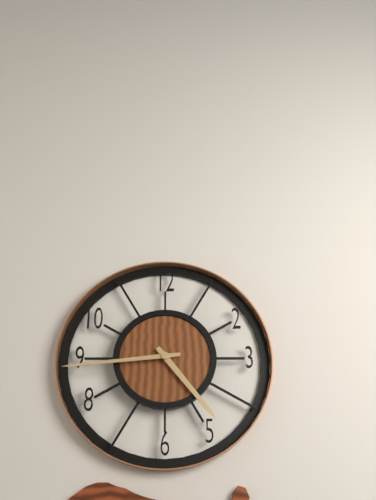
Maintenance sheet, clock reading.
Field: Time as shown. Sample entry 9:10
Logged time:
4:44
